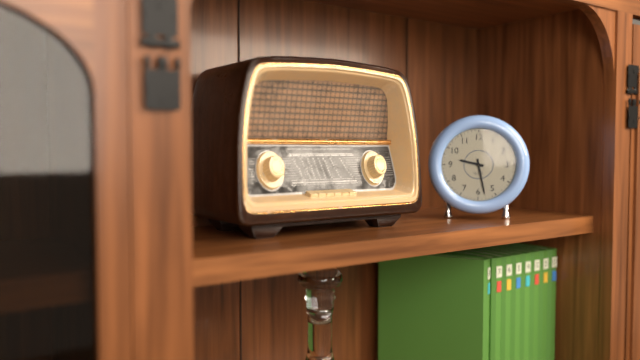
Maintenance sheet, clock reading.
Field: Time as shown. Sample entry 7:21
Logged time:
9:28
